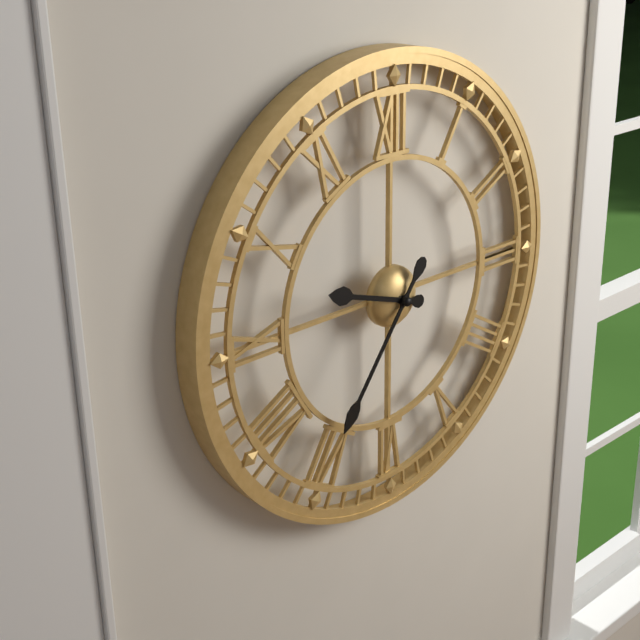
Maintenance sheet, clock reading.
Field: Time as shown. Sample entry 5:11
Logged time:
9:36
